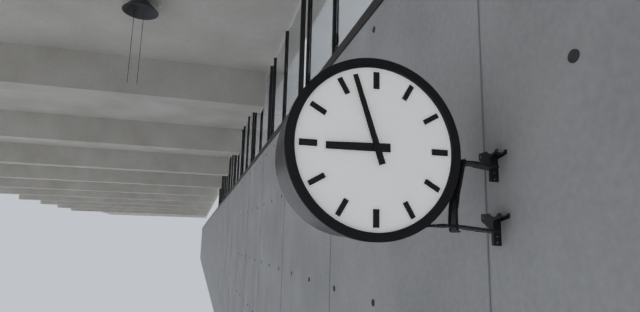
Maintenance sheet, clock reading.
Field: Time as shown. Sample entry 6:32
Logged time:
8:57
